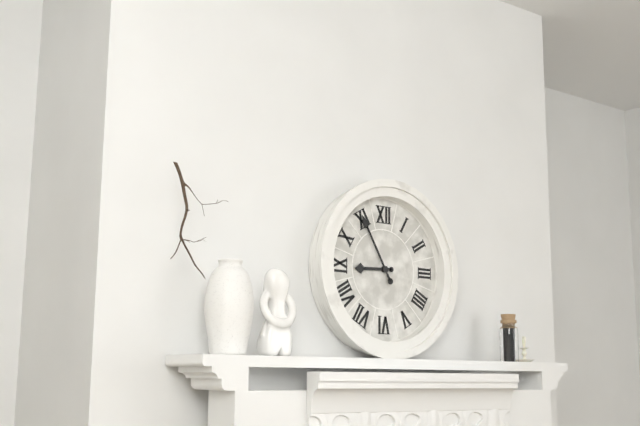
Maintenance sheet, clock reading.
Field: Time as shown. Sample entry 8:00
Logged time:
8:55
